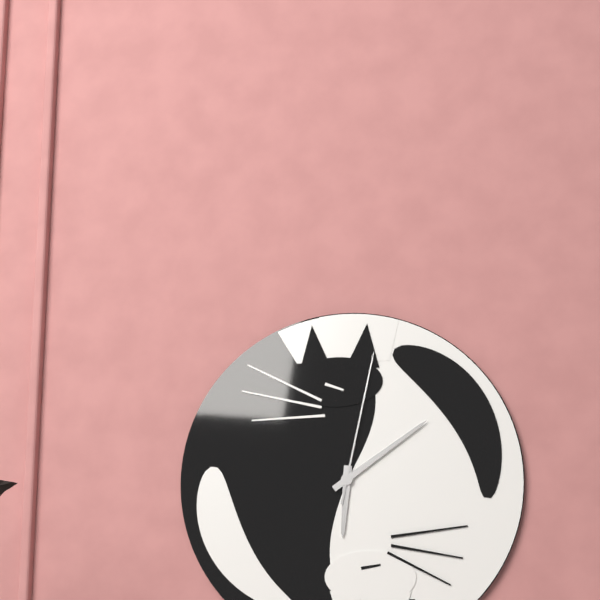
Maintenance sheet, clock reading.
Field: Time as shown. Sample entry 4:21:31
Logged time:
6:09:02
